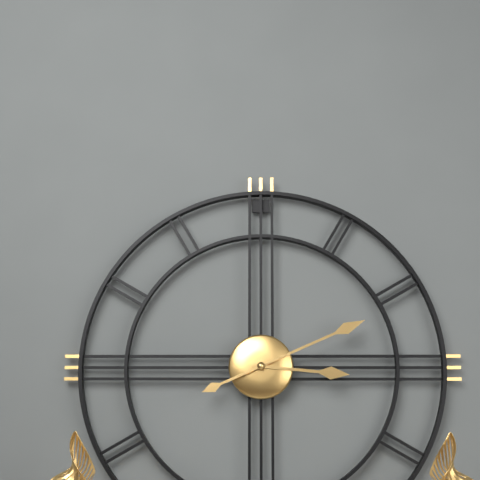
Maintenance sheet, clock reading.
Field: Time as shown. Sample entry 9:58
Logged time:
3:11
